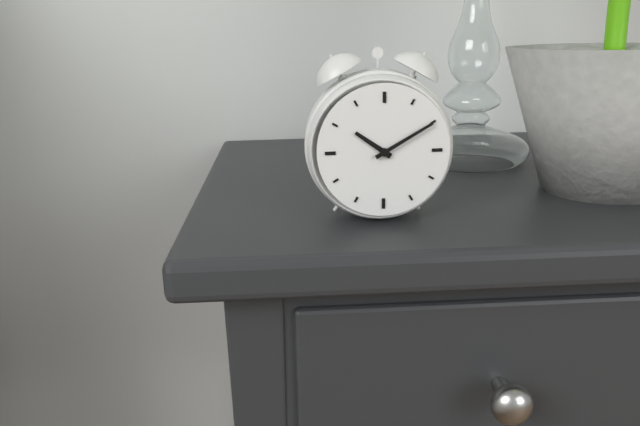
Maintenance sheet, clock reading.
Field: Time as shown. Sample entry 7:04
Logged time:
10:10
